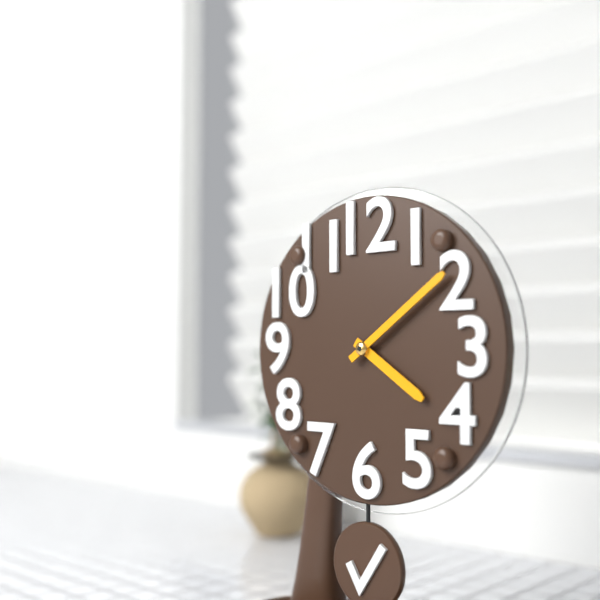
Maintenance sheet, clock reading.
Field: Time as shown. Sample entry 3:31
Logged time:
4:09
